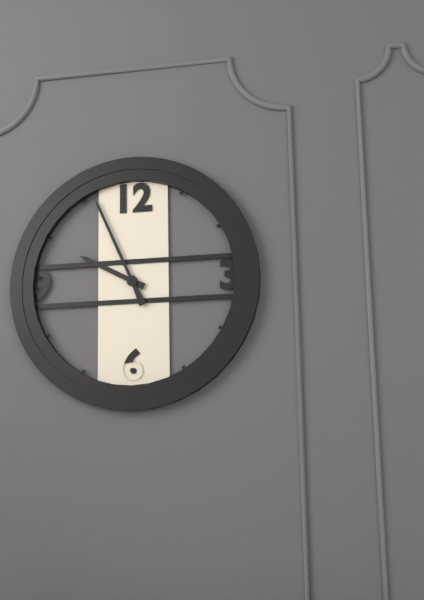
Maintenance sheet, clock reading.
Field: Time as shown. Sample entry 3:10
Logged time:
9:56
